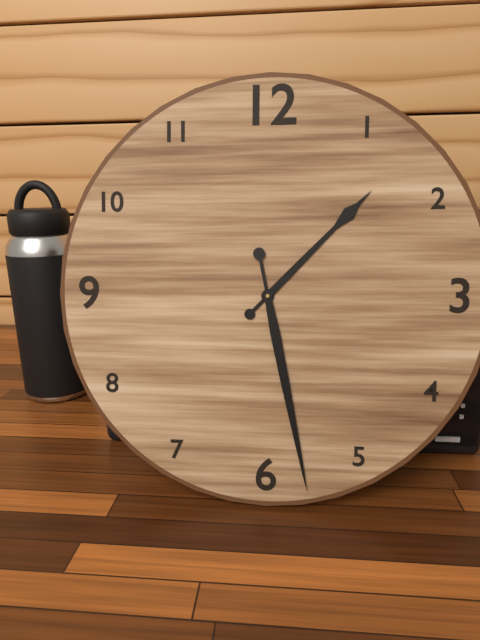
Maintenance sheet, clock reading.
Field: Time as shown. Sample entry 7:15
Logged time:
1:28
